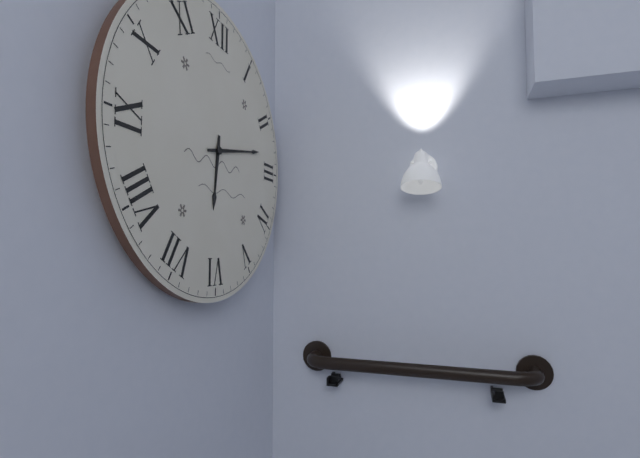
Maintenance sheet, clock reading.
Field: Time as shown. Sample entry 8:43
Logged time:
6:13
